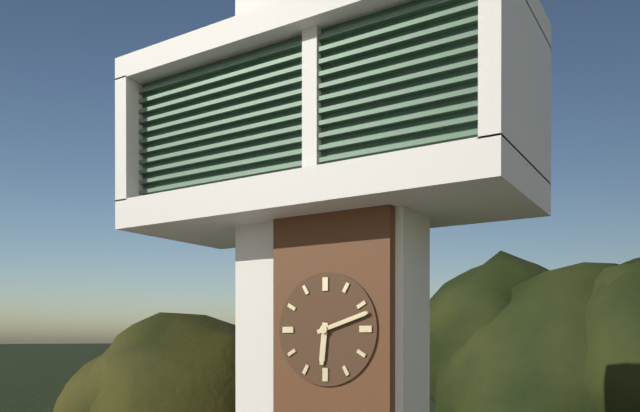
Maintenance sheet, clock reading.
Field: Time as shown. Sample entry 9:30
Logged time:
6:12
